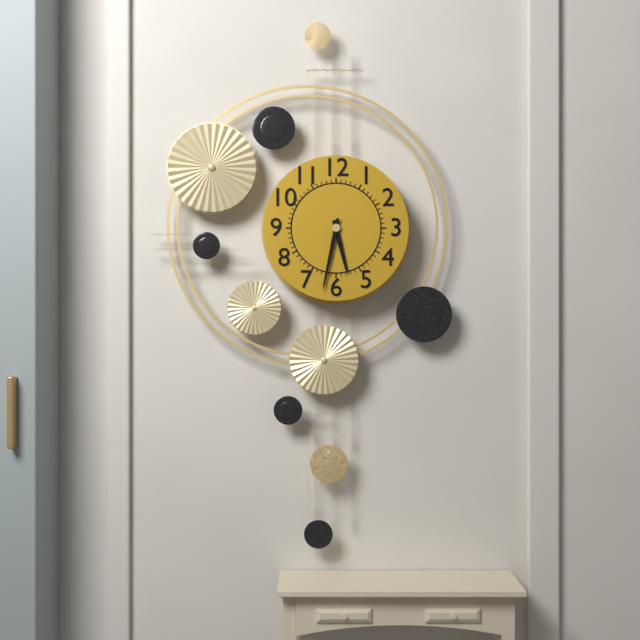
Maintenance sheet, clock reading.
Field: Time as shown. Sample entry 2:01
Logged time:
5:32
